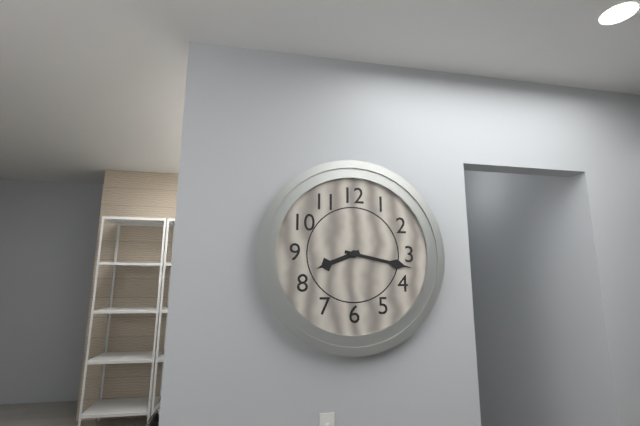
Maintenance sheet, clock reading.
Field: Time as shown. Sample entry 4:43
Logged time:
8:17
